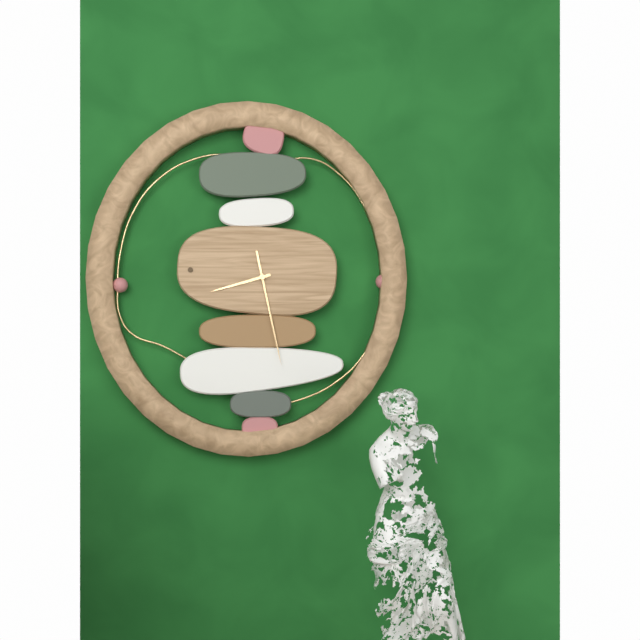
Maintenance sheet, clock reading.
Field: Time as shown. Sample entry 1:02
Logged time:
8:28
